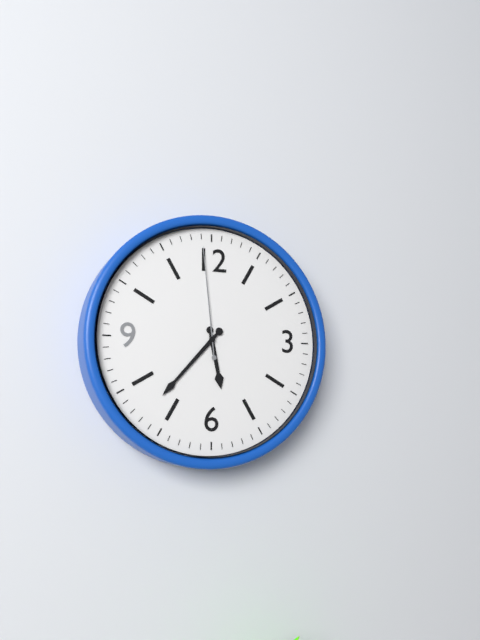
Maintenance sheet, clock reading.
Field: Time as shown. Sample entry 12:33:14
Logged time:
5:37:59
